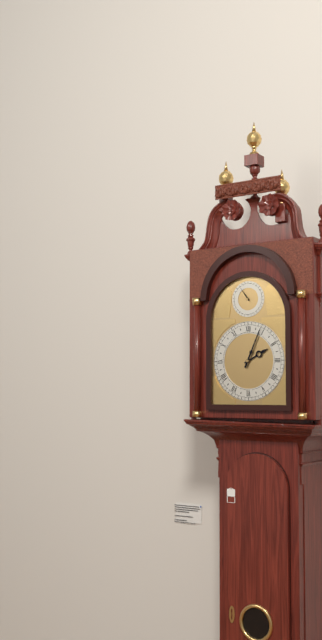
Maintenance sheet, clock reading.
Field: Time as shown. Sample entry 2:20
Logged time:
2:04
